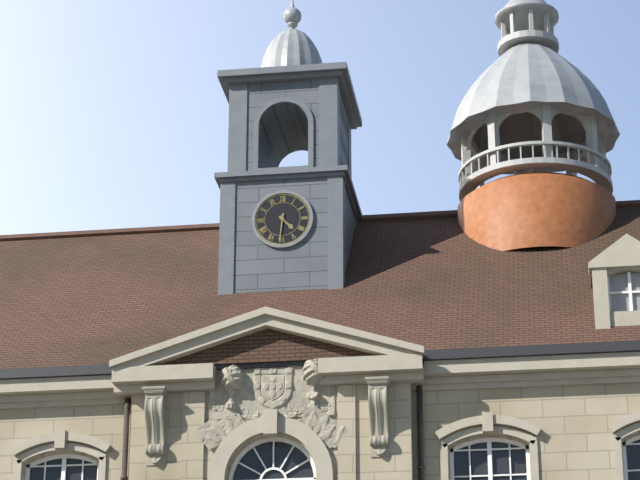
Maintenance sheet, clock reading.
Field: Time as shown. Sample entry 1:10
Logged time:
4:31
